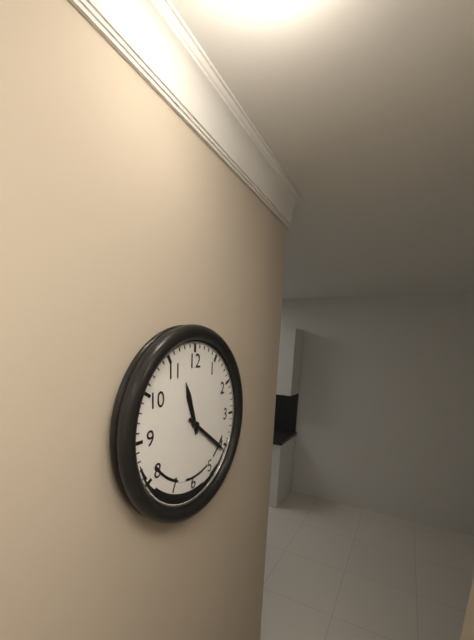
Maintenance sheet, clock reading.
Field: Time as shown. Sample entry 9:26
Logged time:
11:21
